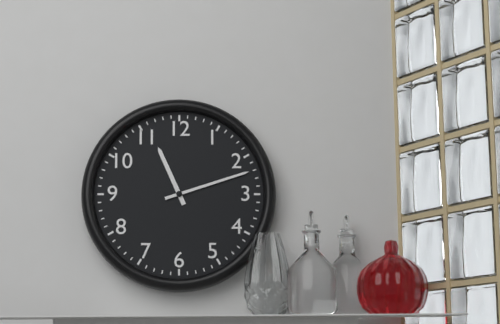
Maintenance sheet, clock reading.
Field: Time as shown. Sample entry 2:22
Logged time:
11:12
